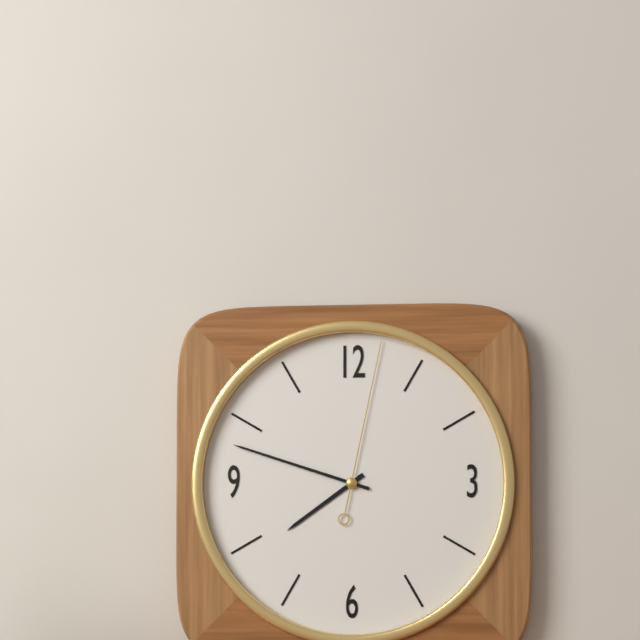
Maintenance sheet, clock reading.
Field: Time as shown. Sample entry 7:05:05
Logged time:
7:48:02
